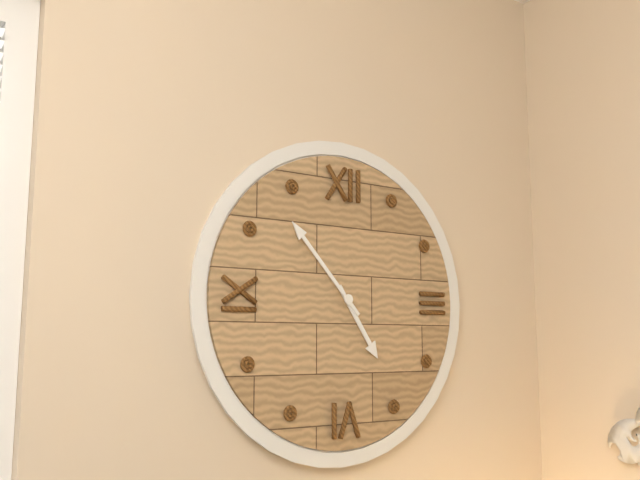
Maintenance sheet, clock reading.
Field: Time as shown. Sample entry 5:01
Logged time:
4:53
